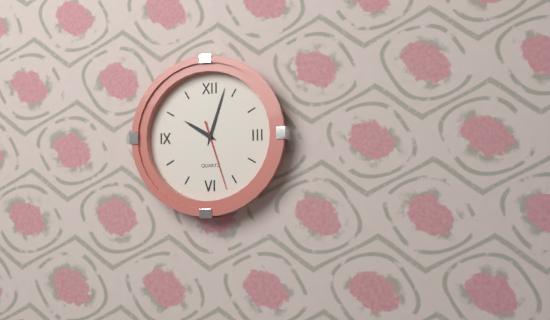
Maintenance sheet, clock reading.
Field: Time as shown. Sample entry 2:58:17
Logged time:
10:03:27
